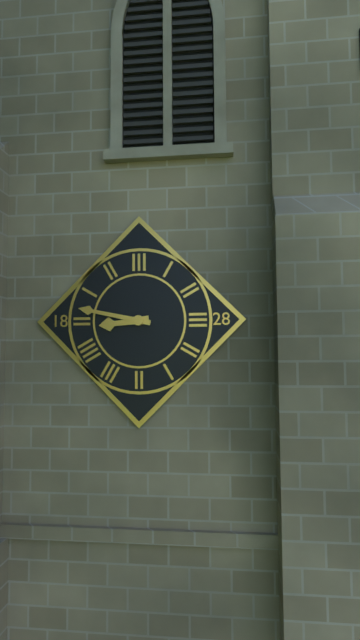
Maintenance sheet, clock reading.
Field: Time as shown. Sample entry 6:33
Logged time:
8:47
